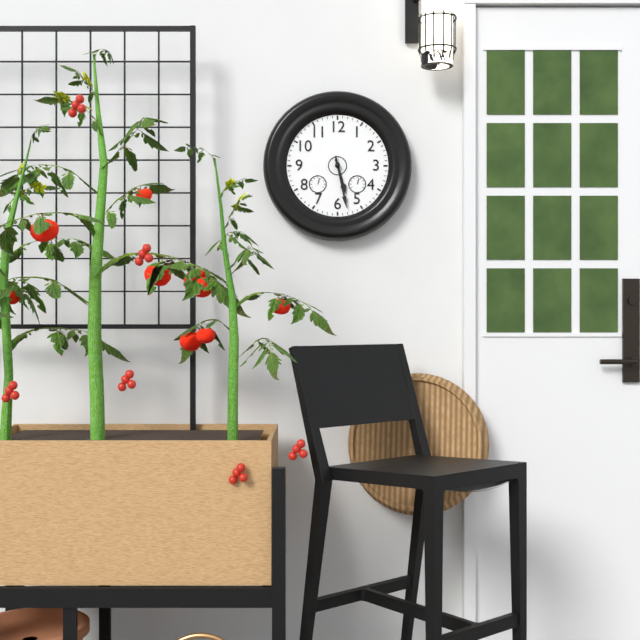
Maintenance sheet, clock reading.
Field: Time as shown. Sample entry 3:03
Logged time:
5:28
